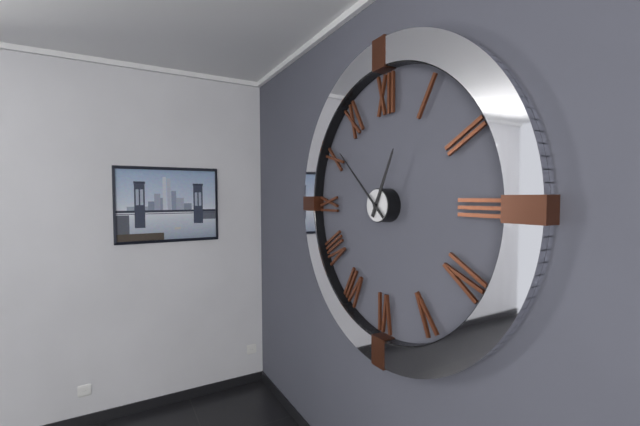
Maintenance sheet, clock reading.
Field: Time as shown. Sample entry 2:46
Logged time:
12:52
